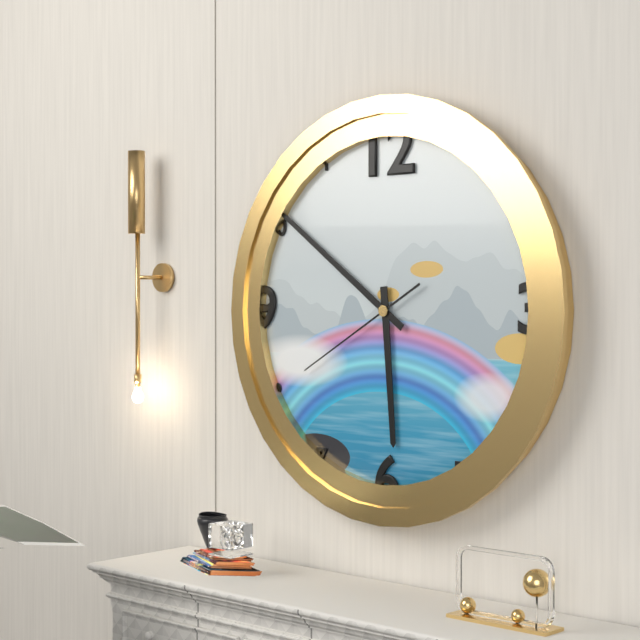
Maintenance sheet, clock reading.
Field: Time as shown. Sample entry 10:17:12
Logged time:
5:51:40
